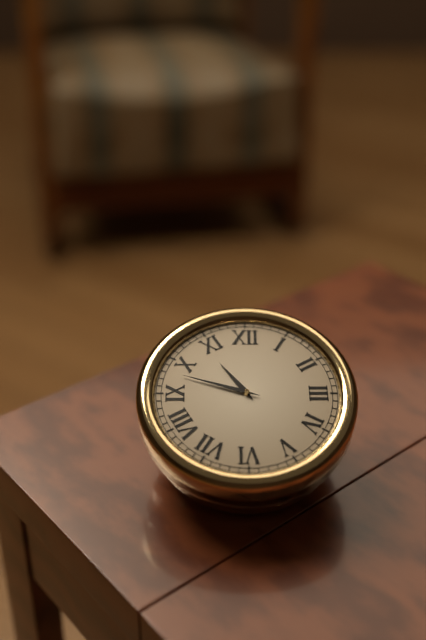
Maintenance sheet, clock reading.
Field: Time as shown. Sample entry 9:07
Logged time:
10:48
